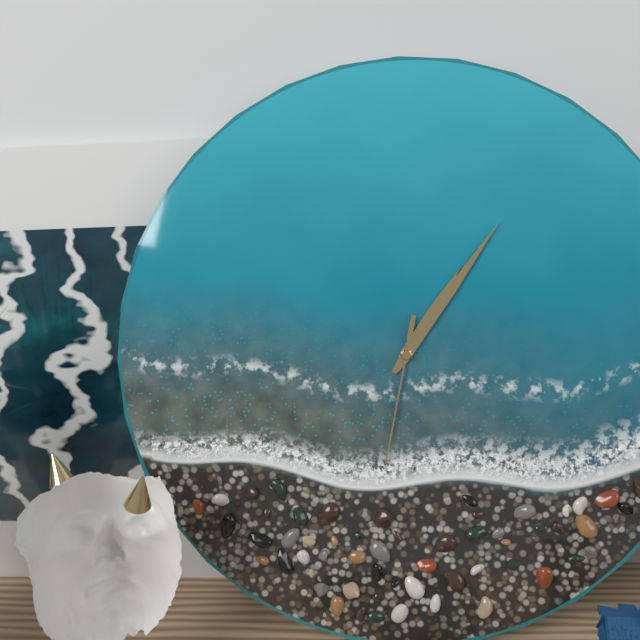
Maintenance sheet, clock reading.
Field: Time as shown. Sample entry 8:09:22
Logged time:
1:06:32
